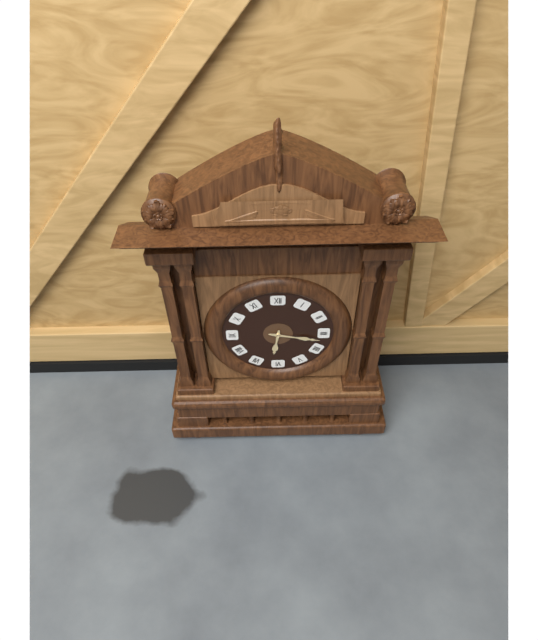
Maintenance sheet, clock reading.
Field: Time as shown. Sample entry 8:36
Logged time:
6:17
